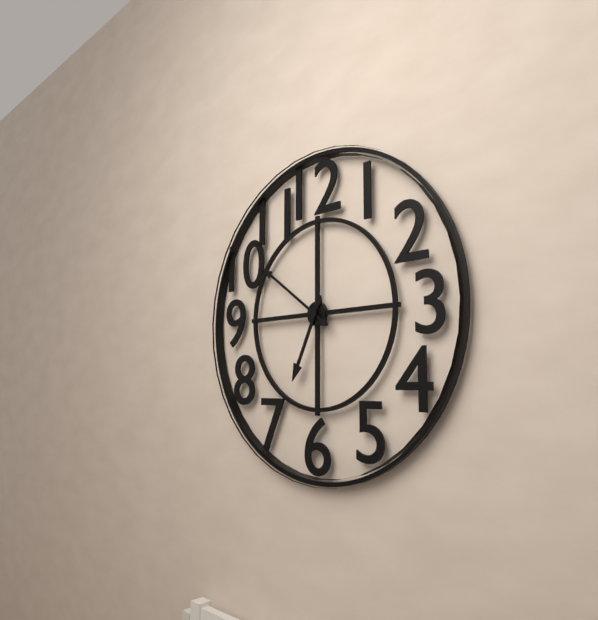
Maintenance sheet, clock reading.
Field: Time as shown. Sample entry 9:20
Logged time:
6:51
